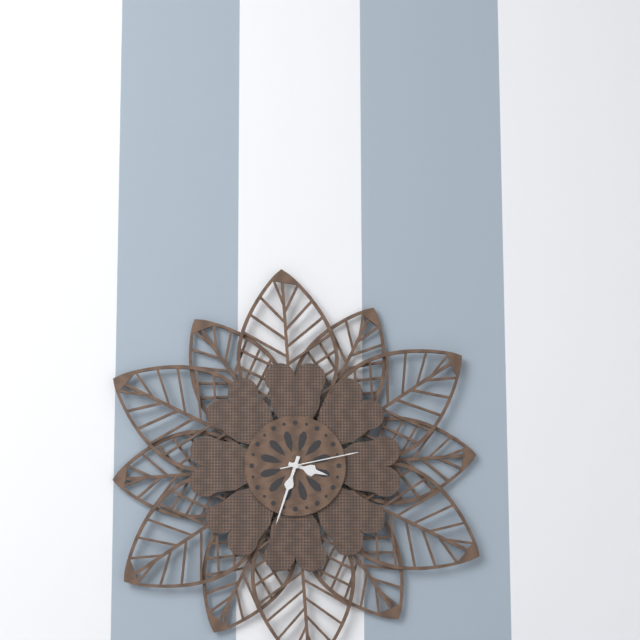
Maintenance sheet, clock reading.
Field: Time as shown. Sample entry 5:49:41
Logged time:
3:33:13
